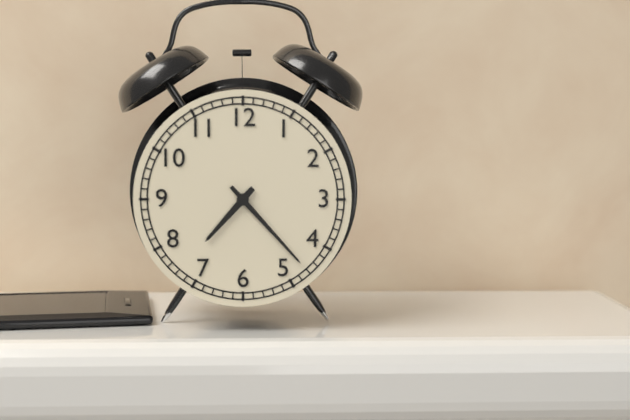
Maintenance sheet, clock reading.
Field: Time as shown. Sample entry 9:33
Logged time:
7:23
